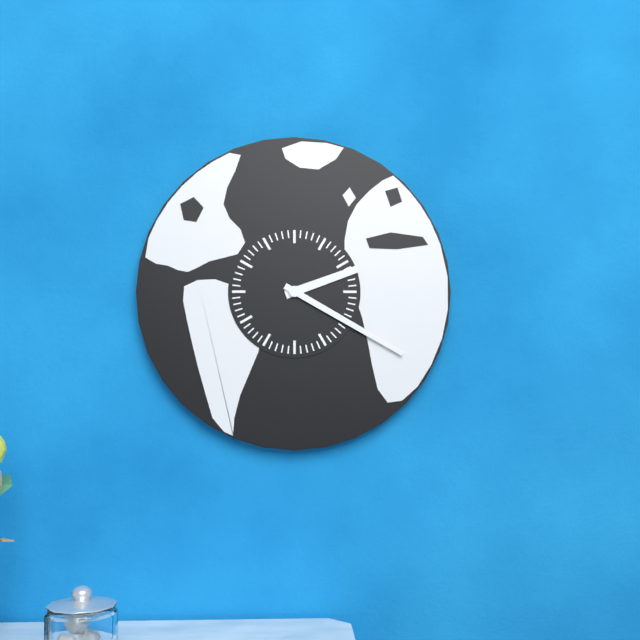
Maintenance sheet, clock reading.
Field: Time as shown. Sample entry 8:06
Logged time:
2:20
